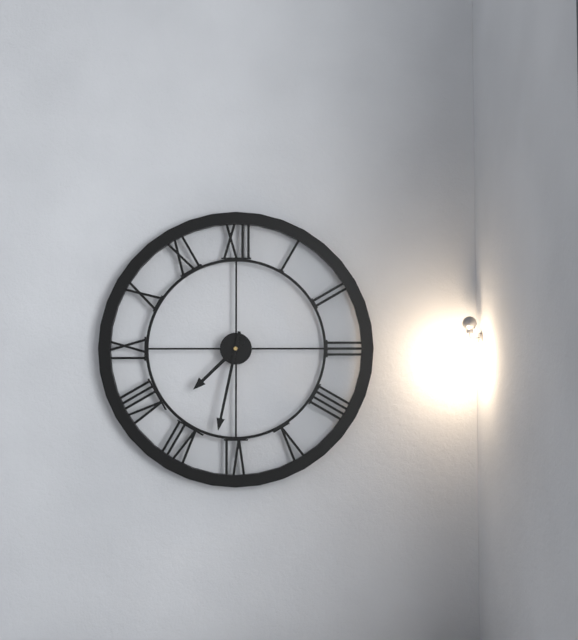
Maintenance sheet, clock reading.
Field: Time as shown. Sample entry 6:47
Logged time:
7:32
